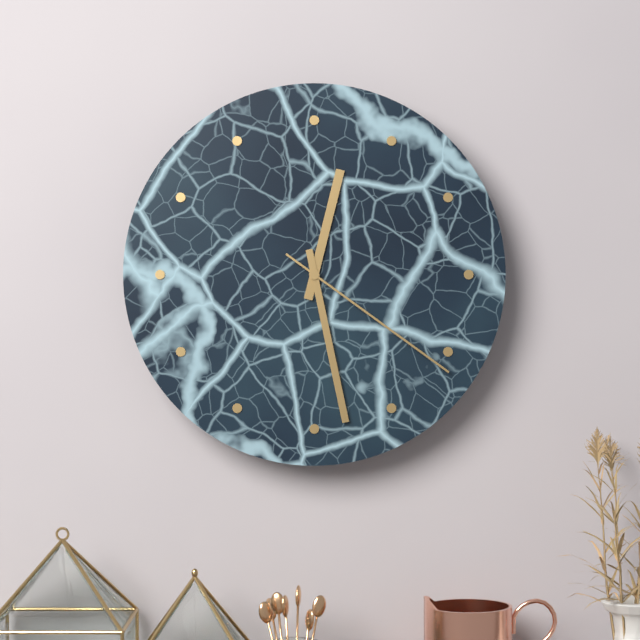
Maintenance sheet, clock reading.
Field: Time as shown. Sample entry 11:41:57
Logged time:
12:28:21
